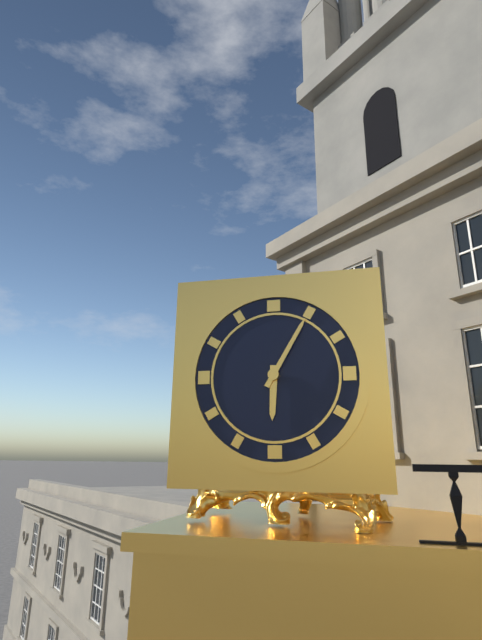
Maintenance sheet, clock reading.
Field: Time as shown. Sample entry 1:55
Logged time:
6:05
